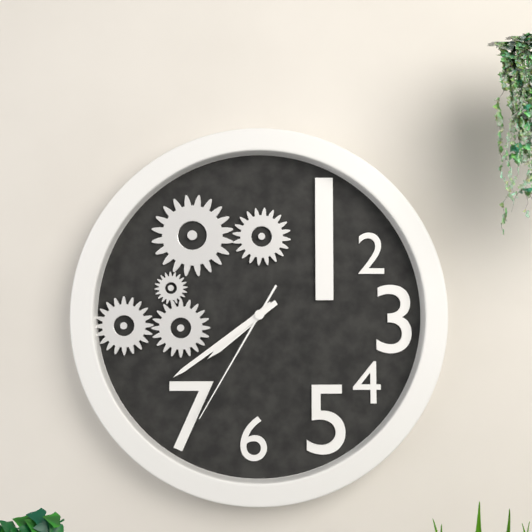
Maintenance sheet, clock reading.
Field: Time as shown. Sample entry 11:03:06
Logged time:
7:39:35
